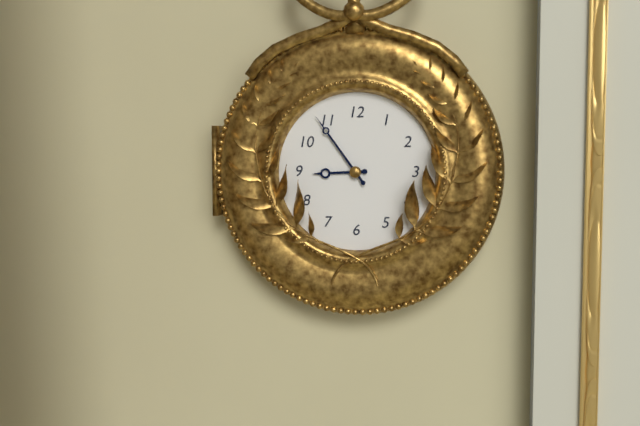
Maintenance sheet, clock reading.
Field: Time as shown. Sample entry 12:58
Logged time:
8:54
